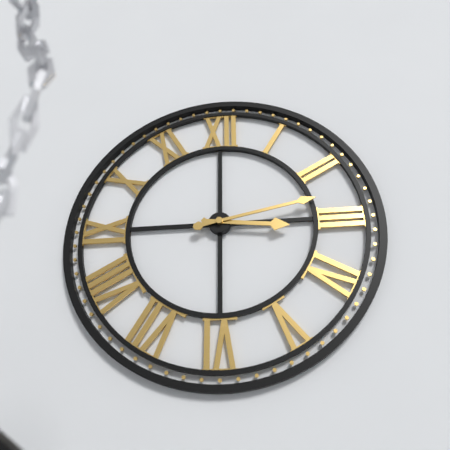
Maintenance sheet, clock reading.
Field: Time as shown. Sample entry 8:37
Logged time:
3:13
